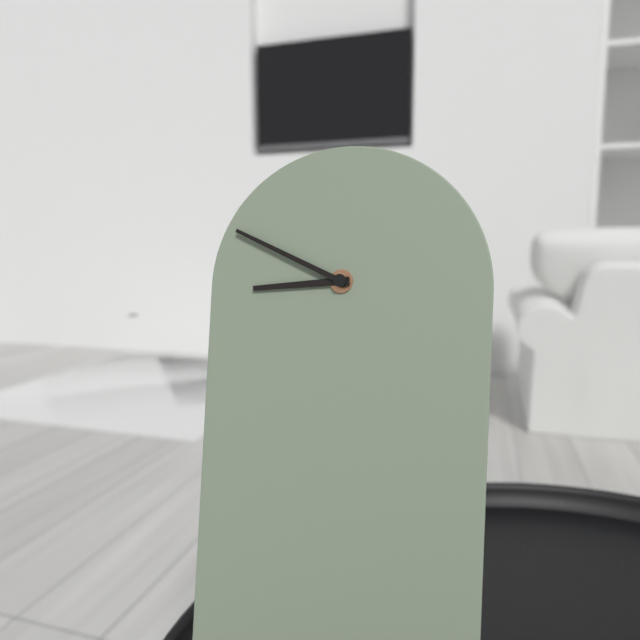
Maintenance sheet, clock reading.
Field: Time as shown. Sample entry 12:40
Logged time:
8:49
